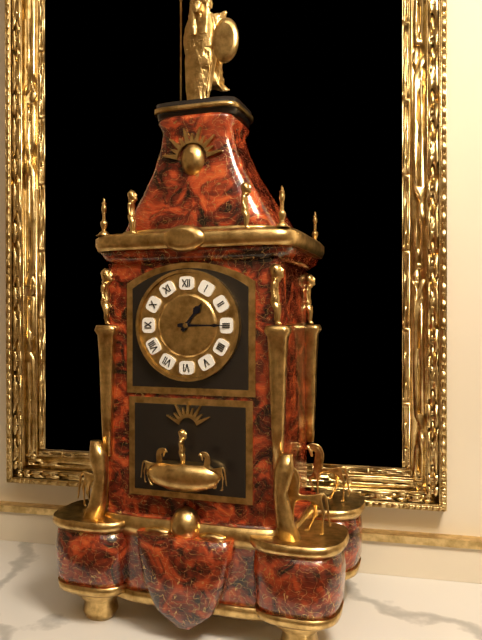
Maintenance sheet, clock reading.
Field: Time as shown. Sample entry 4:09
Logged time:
1:15
